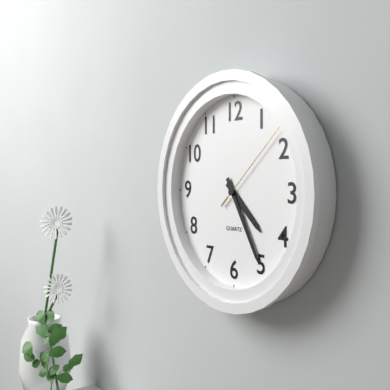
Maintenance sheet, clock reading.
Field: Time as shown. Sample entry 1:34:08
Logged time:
4:25:08
